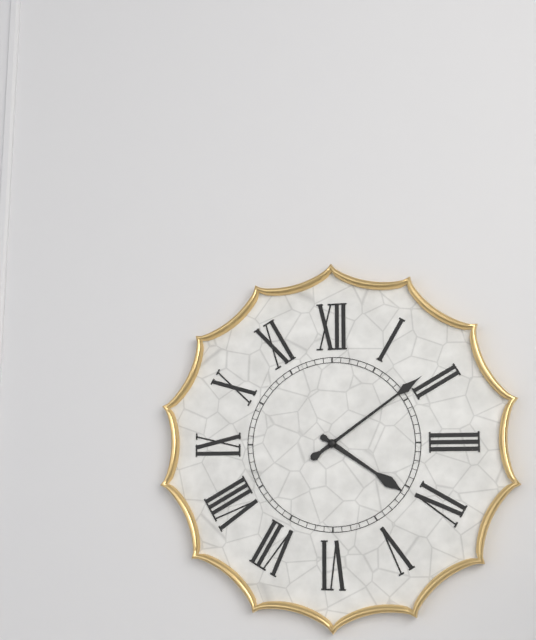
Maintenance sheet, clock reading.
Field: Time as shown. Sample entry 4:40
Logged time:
4:09
